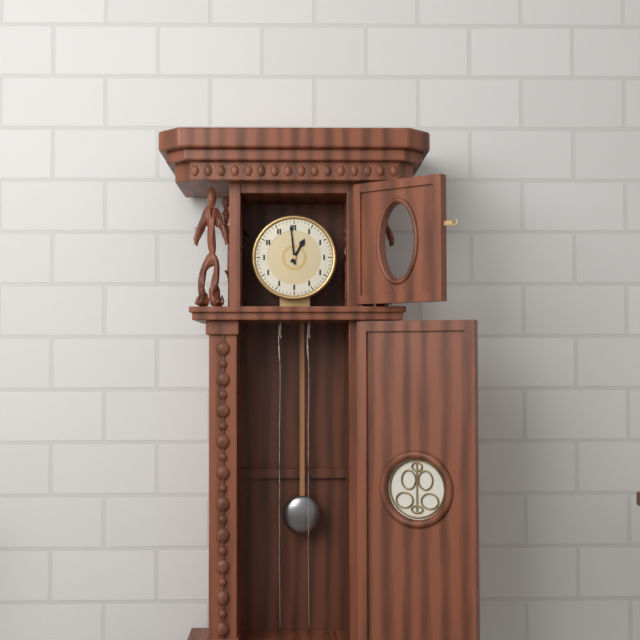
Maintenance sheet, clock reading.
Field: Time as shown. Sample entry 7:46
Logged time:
12:59
